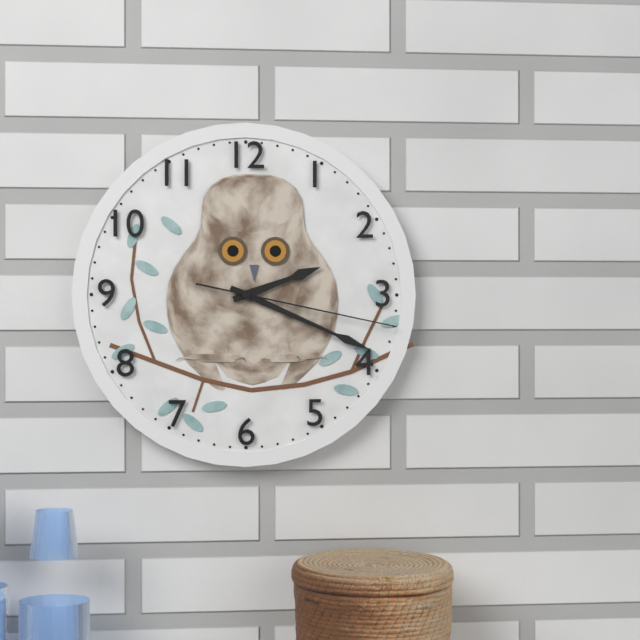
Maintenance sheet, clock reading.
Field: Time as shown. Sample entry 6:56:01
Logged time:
2:19:17
